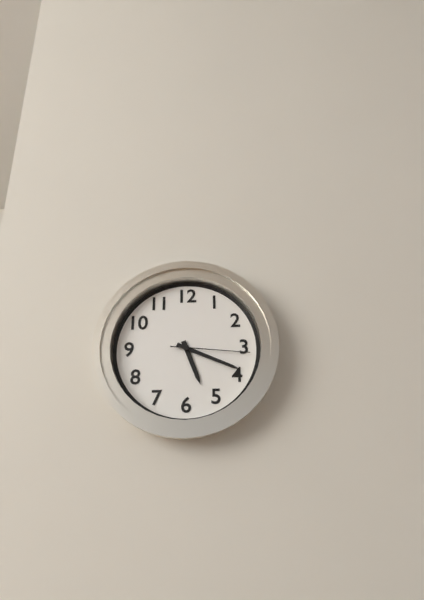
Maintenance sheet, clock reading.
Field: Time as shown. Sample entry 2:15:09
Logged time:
5:19:16
